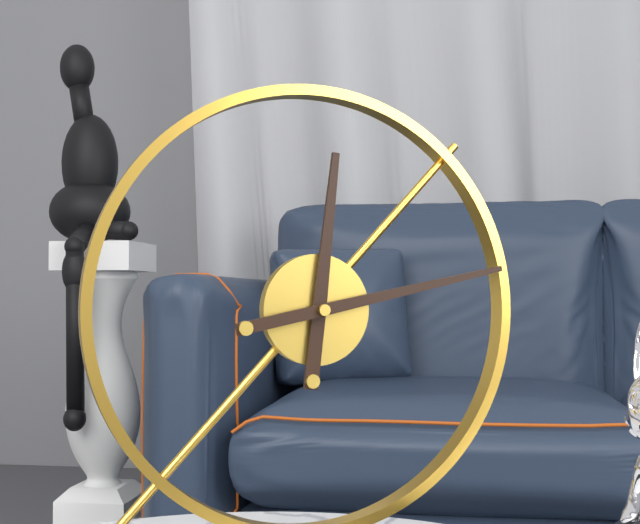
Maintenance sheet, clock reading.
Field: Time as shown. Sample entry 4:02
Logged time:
12:13
